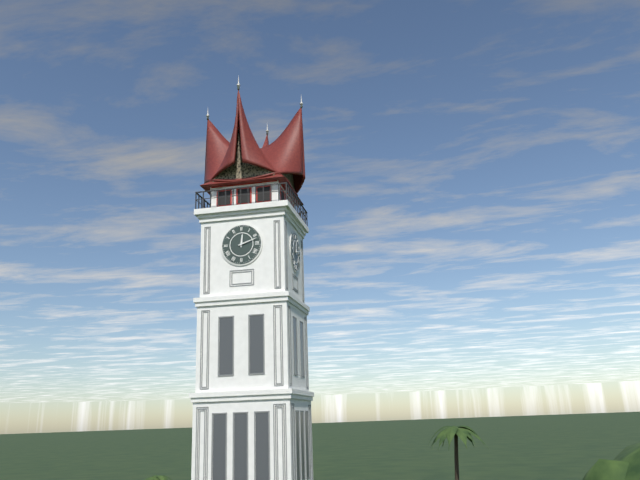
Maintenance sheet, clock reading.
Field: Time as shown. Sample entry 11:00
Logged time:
12:12
